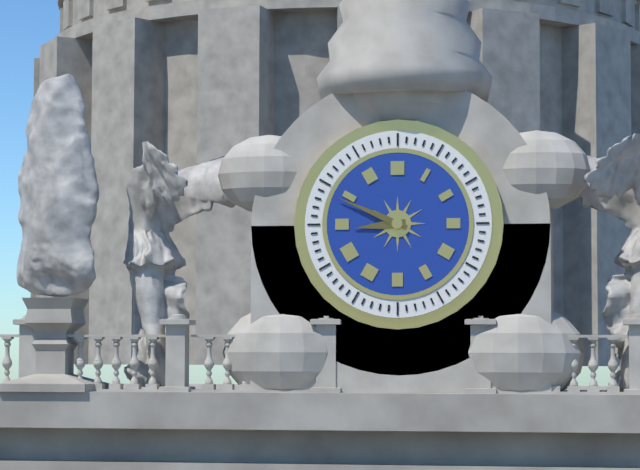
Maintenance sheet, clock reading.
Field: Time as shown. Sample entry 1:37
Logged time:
8:49
